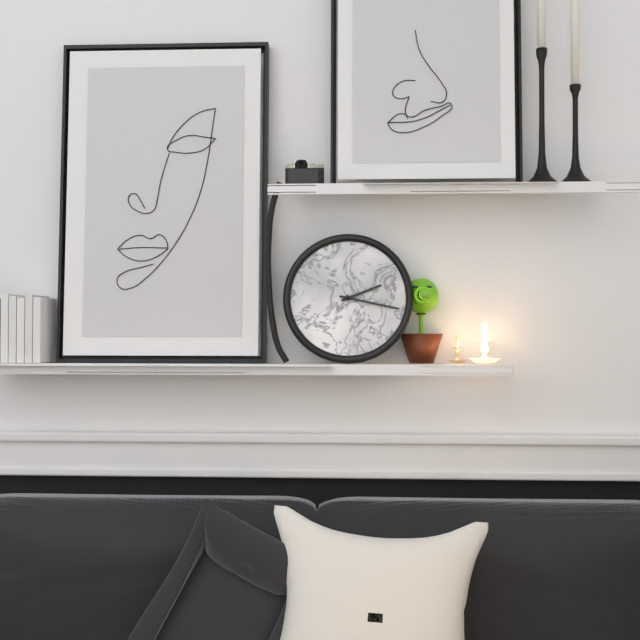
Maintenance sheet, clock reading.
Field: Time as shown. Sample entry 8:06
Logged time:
2:17
